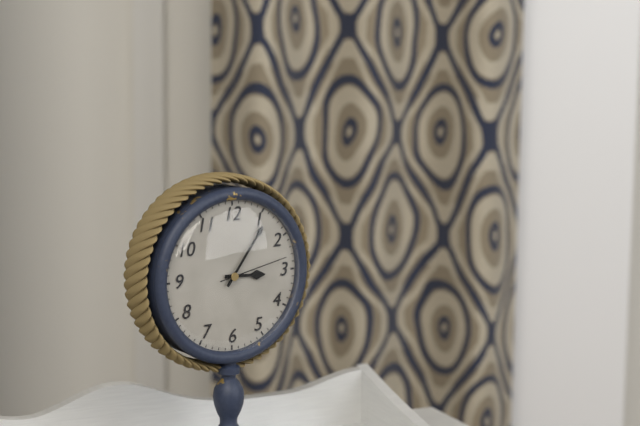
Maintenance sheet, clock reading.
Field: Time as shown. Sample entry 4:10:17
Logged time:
3:06:13
